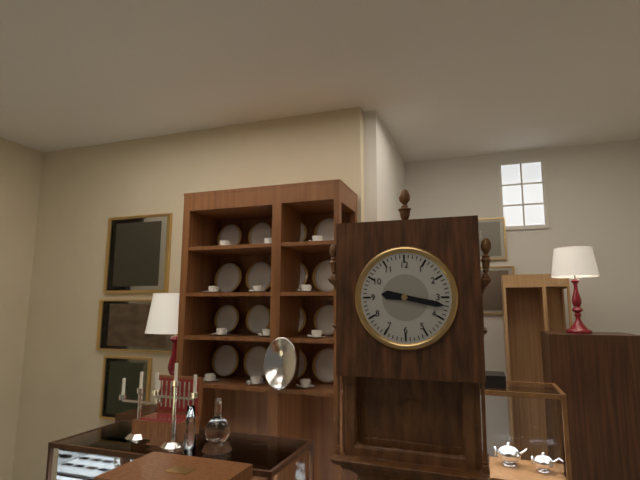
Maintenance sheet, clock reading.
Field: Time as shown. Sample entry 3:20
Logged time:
9:17
